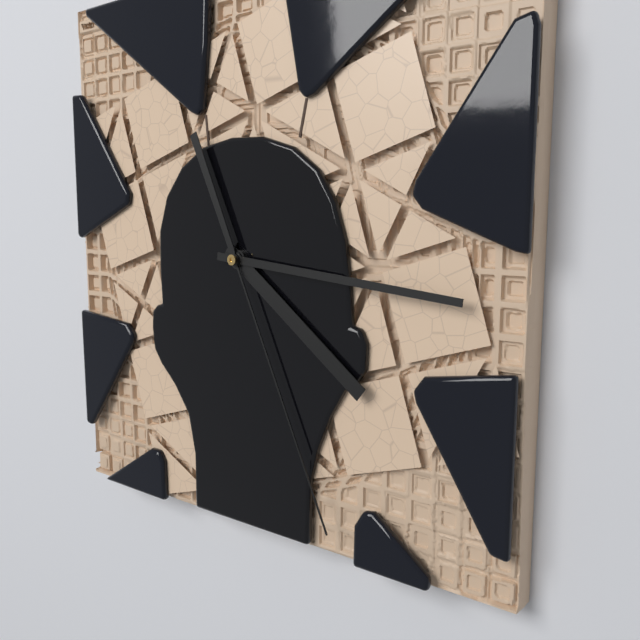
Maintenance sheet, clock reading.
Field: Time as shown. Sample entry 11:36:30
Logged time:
4:16:26
